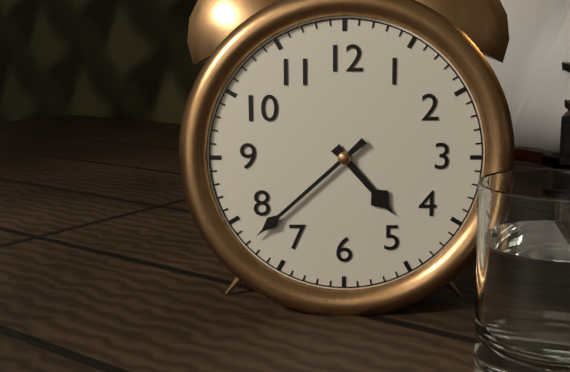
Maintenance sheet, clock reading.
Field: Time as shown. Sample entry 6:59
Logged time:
4:38
